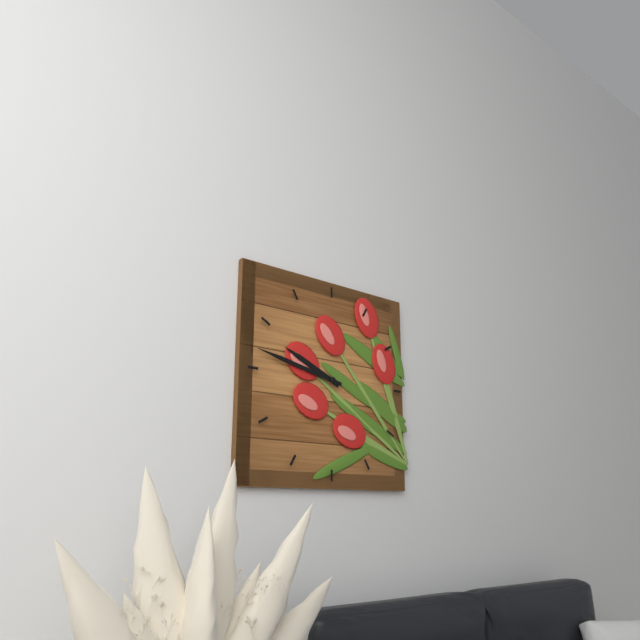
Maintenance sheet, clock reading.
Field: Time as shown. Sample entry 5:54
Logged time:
9:47
